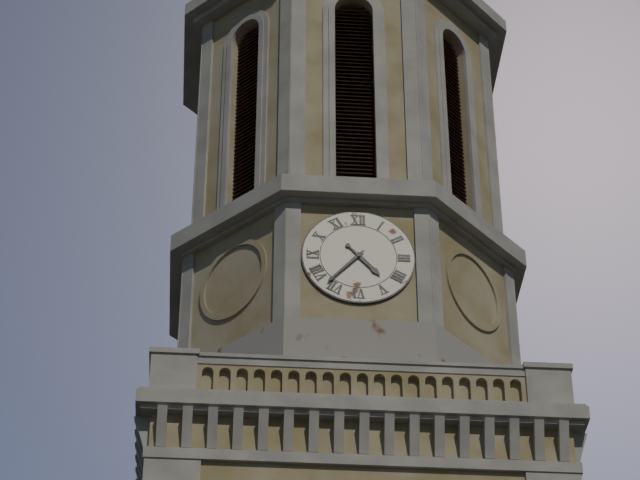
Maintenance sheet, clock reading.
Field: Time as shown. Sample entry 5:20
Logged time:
4:37
